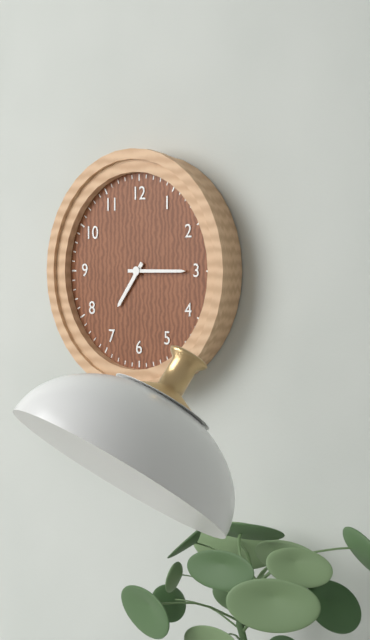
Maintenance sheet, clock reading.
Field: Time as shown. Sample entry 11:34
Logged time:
7:15
